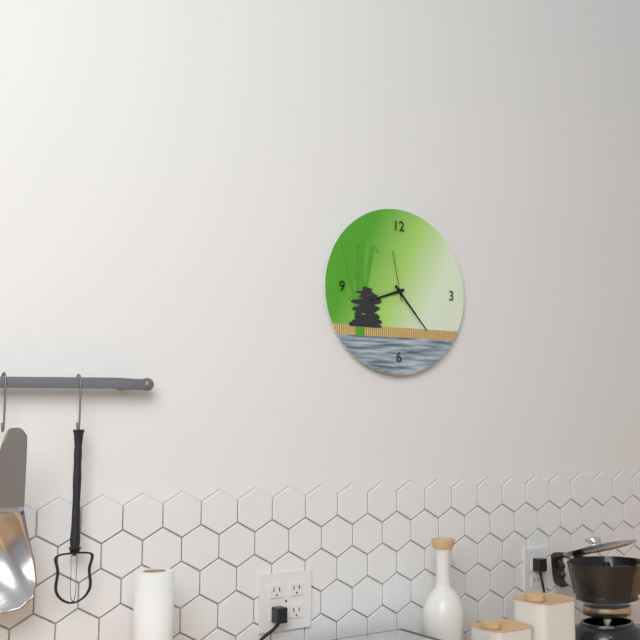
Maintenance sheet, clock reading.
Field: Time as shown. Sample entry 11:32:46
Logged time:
8:23:58
